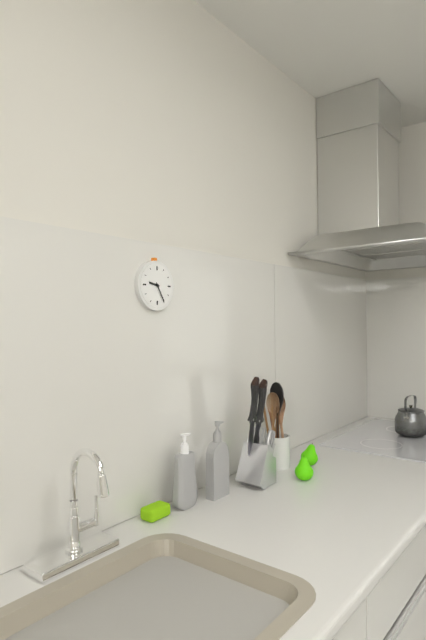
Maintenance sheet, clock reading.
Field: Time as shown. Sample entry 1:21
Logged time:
9:25
